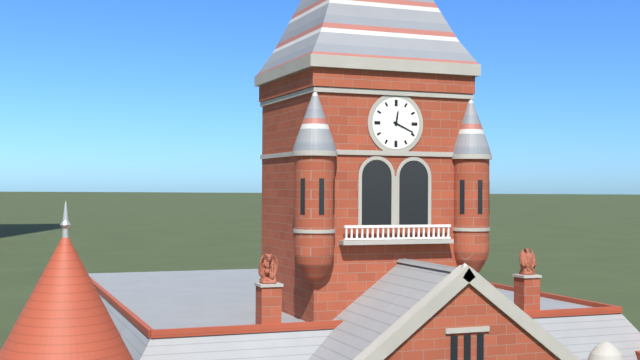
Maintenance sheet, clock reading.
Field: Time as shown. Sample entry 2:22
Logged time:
12:19
